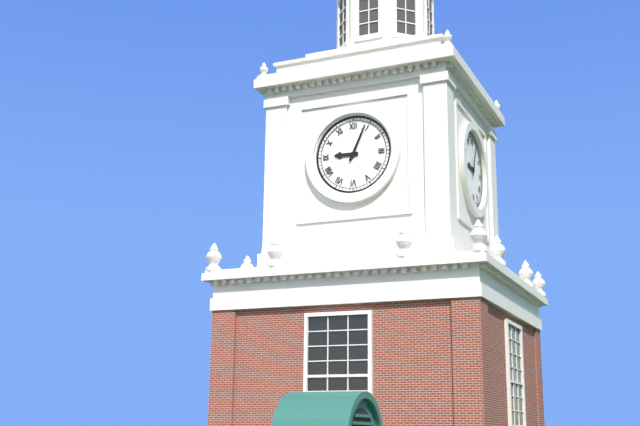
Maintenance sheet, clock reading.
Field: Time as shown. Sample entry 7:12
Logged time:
9:04
